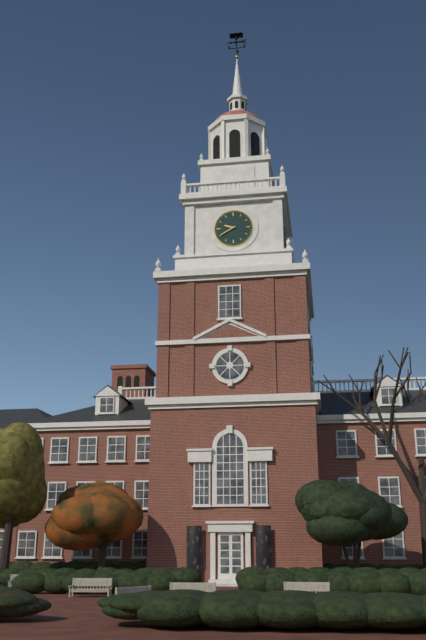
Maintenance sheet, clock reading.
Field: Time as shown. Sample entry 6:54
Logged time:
9:40
